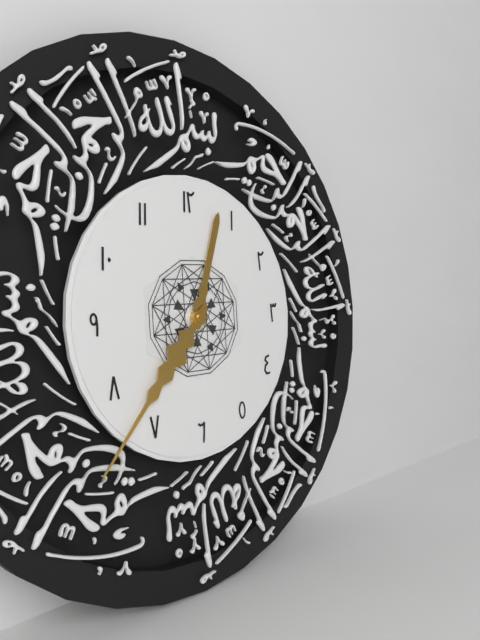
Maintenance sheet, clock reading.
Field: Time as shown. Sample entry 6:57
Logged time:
12:37
